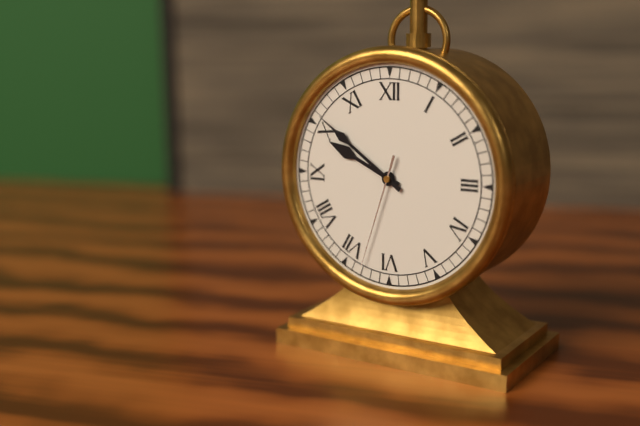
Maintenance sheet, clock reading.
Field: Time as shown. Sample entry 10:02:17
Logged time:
9:51:33
